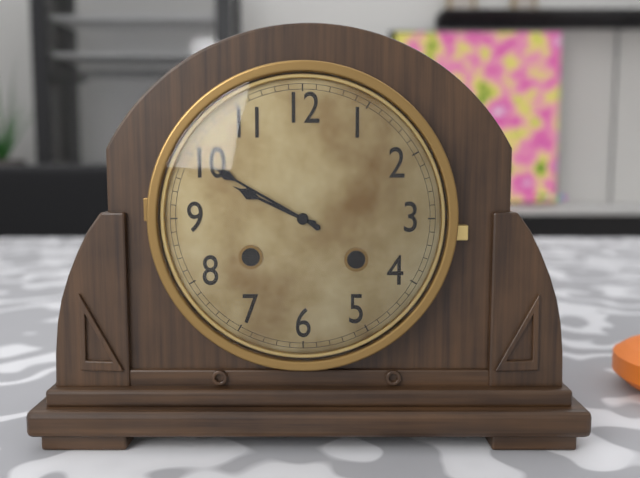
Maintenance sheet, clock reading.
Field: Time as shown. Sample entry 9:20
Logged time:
9:50
